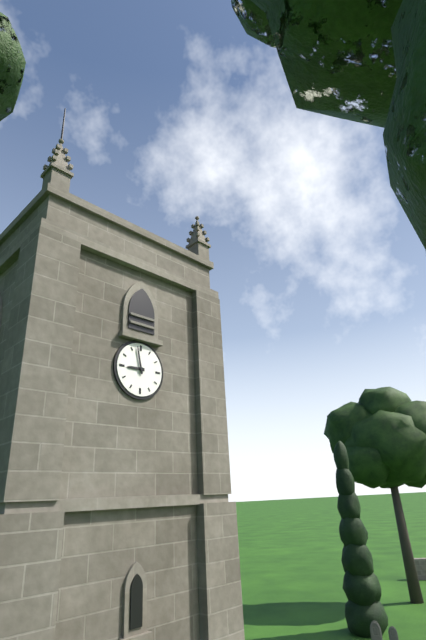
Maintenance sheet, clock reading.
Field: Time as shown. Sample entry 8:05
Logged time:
8:58
